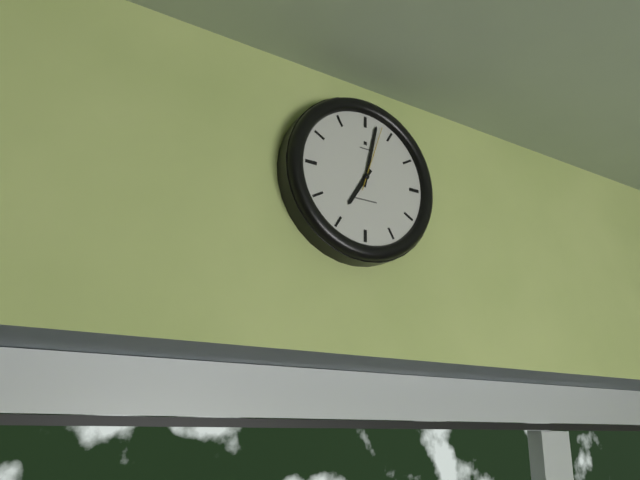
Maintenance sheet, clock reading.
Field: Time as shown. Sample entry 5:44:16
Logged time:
7:02:03
